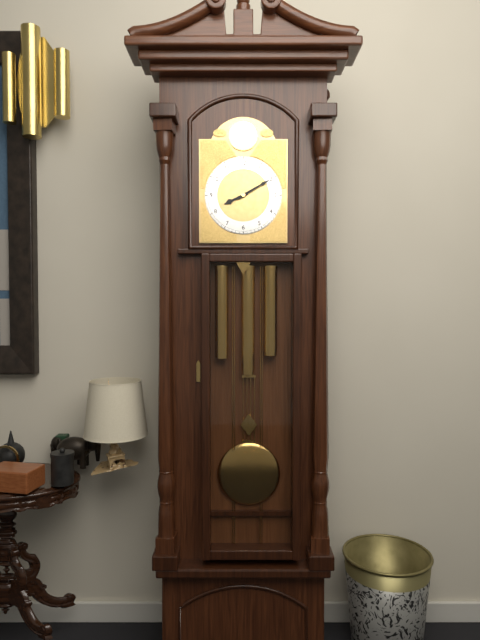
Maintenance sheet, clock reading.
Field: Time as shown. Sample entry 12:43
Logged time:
8:10
